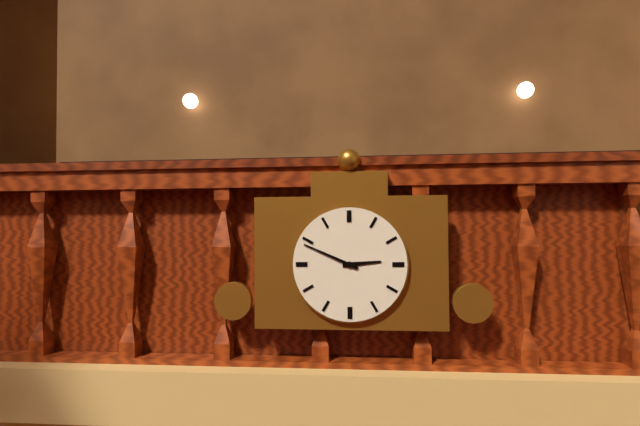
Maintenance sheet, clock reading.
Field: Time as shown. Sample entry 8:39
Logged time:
2:49
